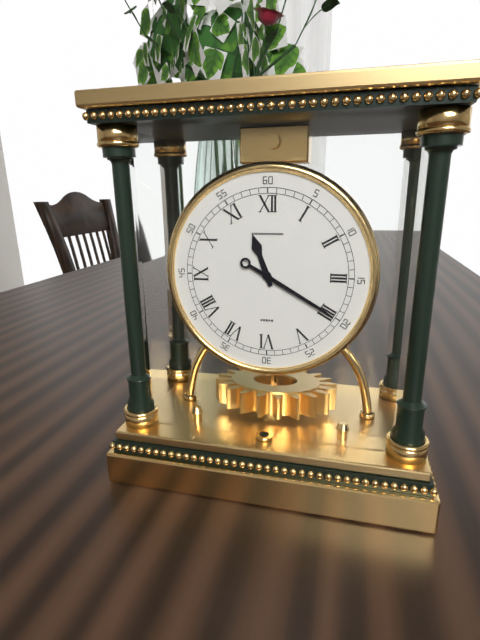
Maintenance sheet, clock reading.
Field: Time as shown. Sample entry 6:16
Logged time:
11:20
